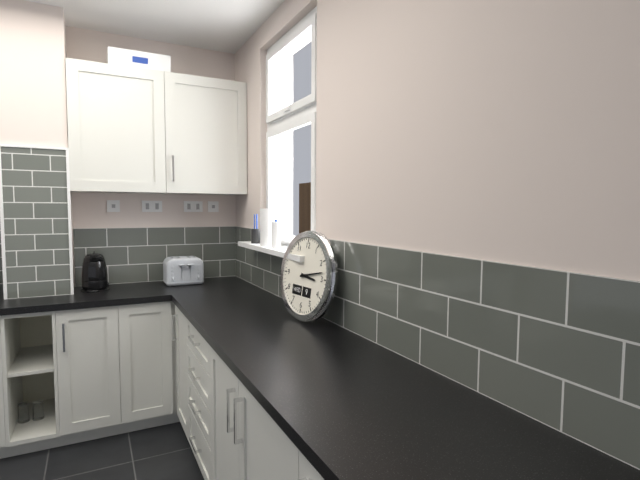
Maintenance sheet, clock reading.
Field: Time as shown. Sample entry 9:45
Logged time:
3:13
